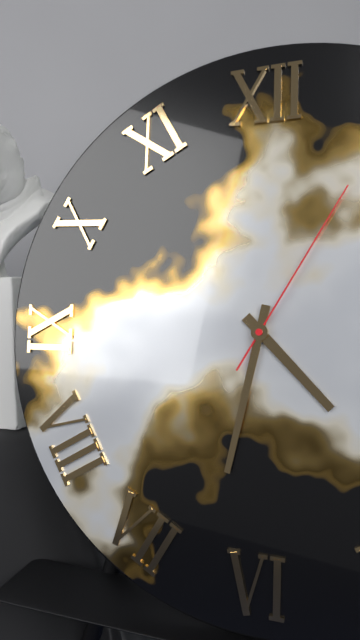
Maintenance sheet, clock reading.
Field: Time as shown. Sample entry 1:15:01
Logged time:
4:32:05
